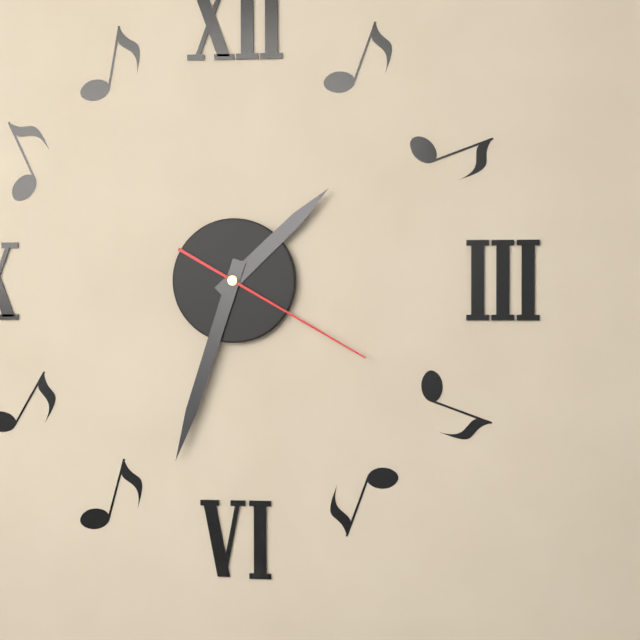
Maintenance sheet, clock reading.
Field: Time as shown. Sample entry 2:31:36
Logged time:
1:33:20
